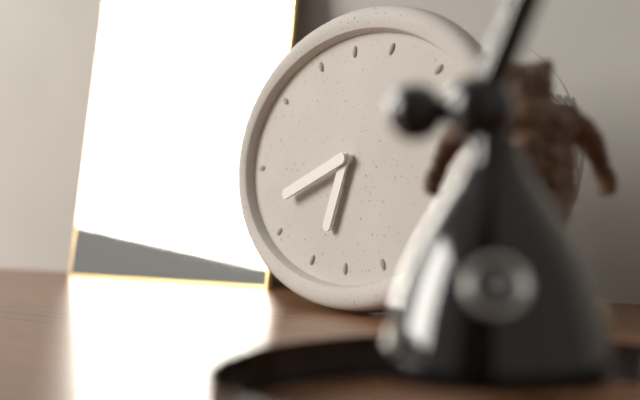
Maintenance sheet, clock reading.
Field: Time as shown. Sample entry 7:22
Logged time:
6:42
